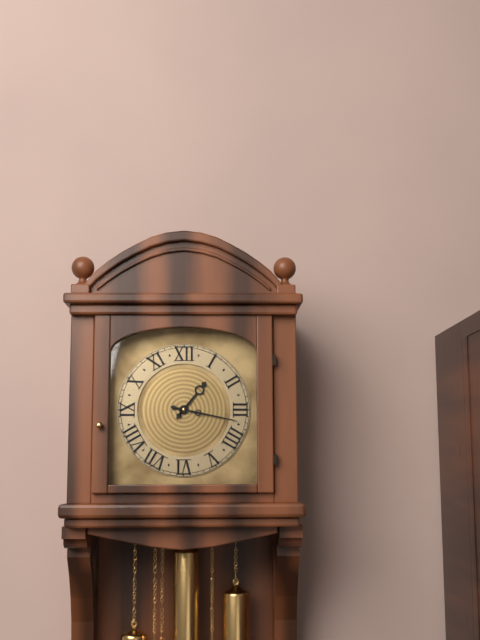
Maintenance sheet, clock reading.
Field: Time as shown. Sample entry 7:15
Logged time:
1:17
